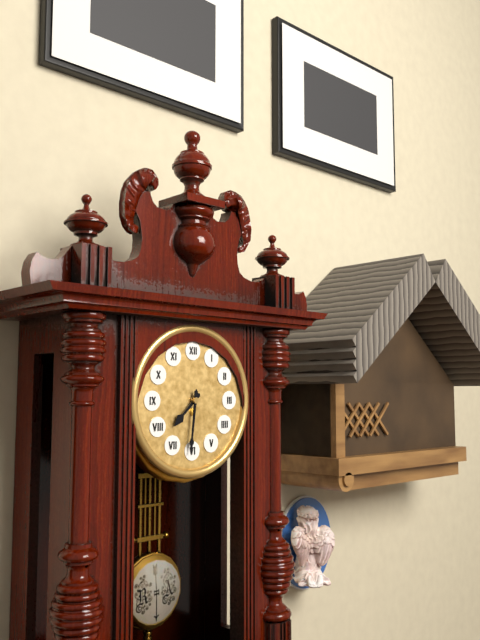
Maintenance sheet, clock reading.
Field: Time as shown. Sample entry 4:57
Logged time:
7:31
